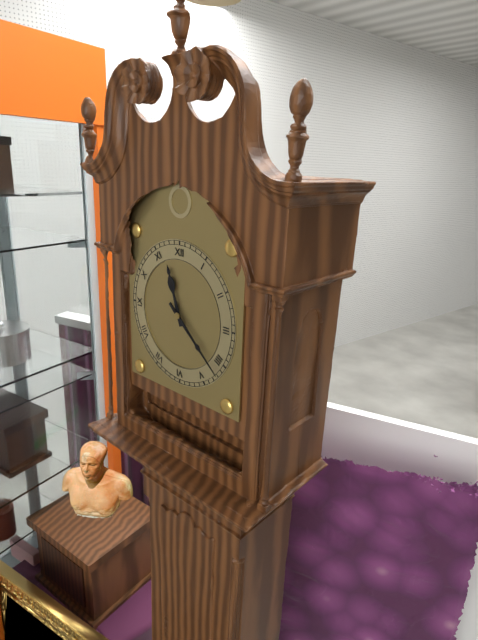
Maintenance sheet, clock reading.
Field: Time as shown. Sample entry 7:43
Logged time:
11:22
